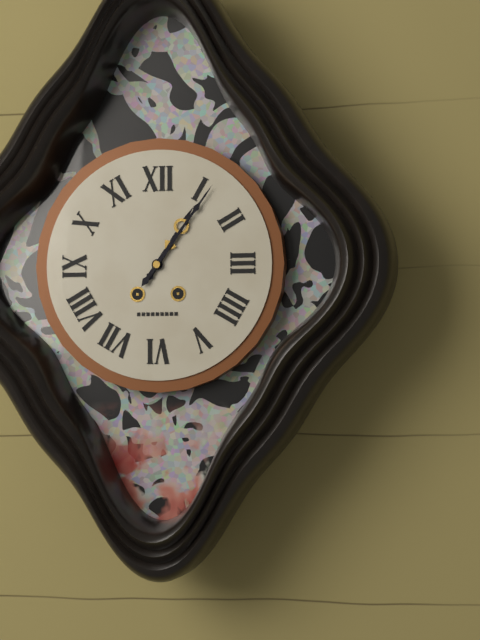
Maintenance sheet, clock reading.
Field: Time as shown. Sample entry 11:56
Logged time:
1:06
